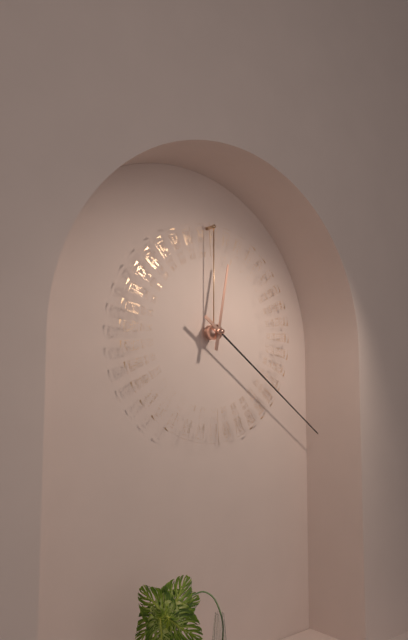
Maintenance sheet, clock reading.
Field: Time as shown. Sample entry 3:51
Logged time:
12:21
